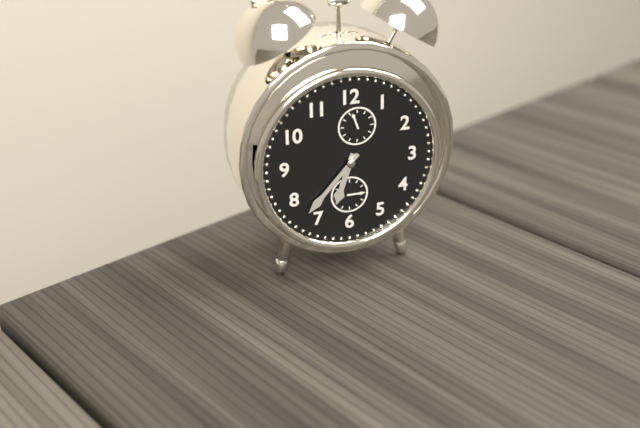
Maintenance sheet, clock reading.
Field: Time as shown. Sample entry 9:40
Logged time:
6:37
